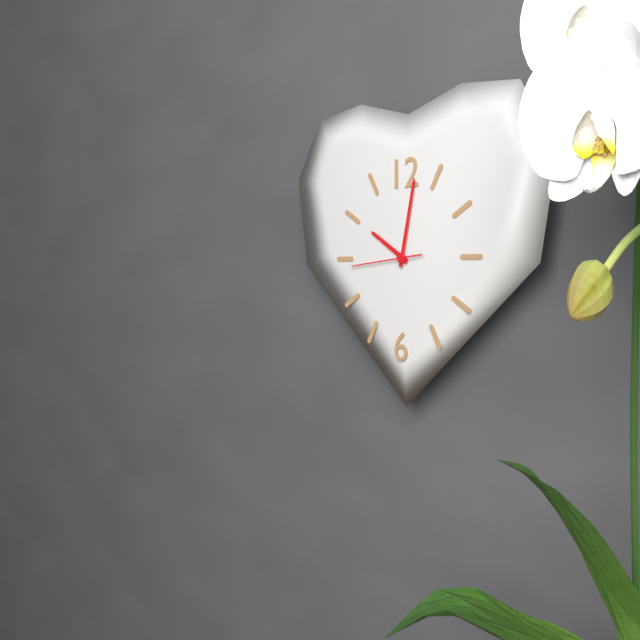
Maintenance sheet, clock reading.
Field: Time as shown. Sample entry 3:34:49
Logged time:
10:02:44
